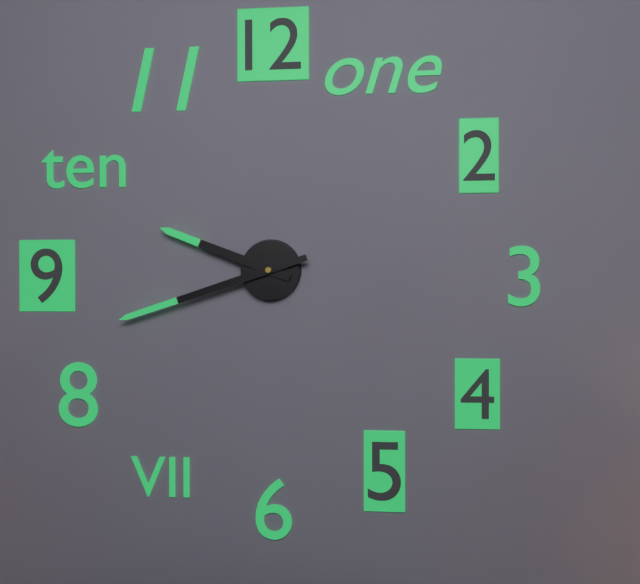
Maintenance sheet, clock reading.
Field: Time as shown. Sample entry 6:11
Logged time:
9:42
